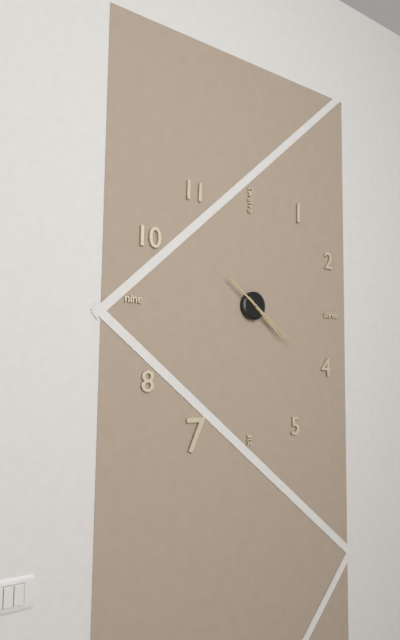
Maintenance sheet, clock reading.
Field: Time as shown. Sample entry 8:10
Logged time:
4:21
